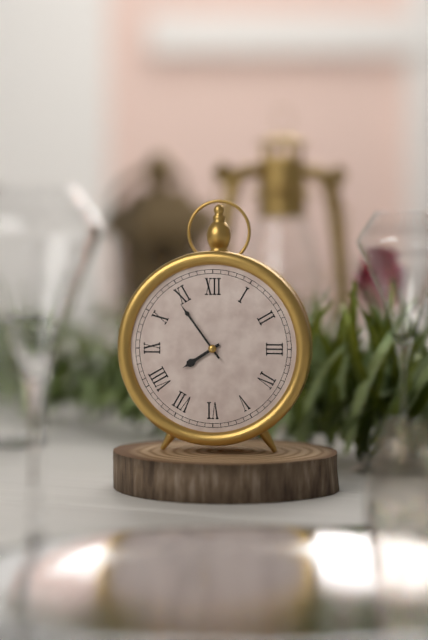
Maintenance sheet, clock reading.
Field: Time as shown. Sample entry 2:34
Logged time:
7:54
